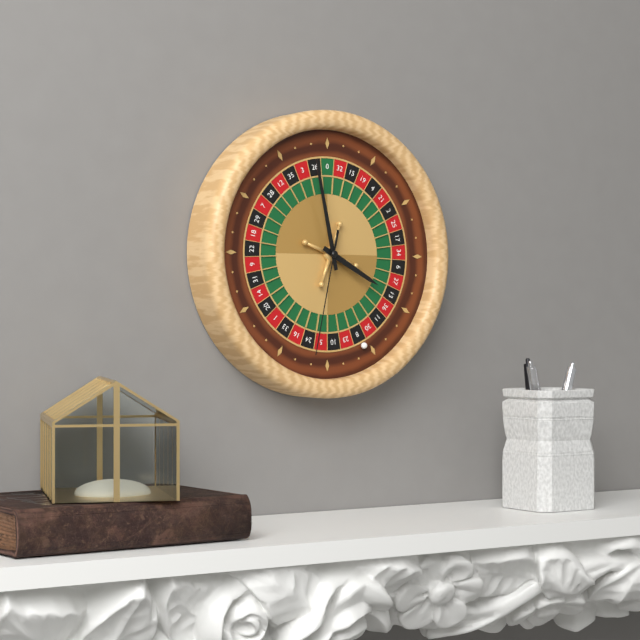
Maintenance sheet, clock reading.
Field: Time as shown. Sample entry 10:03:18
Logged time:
3:58:32
